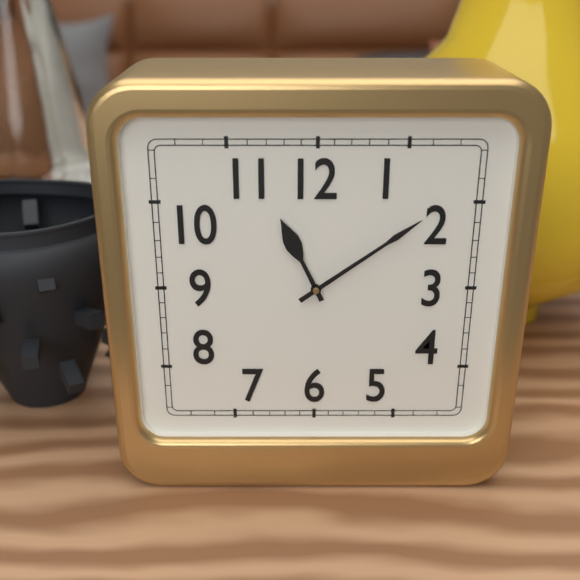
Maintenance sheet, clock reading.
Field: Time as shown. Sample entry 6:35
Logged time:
11:09
